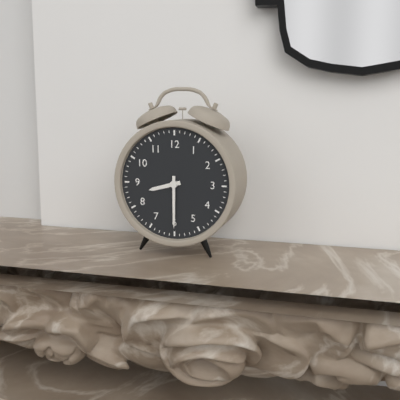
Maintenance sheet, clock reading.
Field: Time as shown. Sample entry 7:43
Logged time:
8:30
